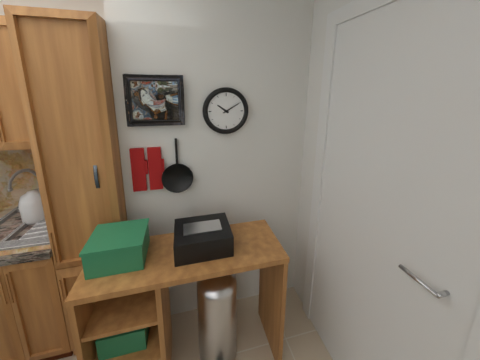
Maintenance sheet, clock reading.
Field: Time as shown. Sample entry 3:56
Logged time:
10:10
